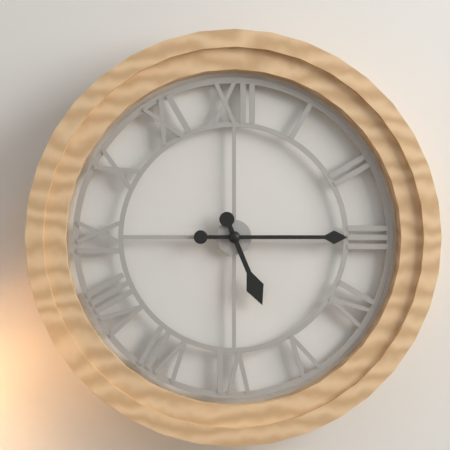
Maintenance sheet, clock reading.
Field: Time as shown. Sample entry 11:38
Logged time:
5:15
